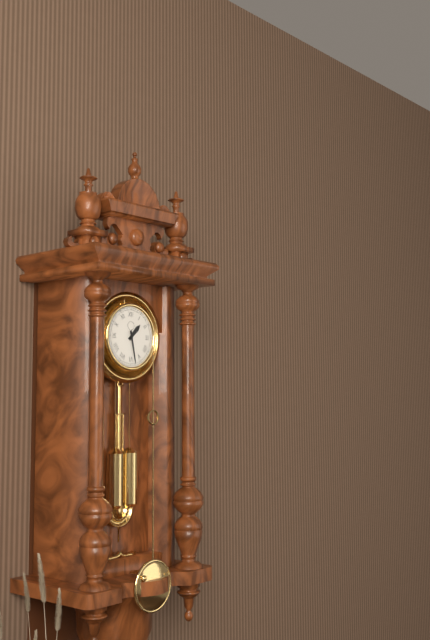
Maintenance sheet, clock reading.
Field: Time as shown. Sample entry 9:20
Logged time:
1:28
